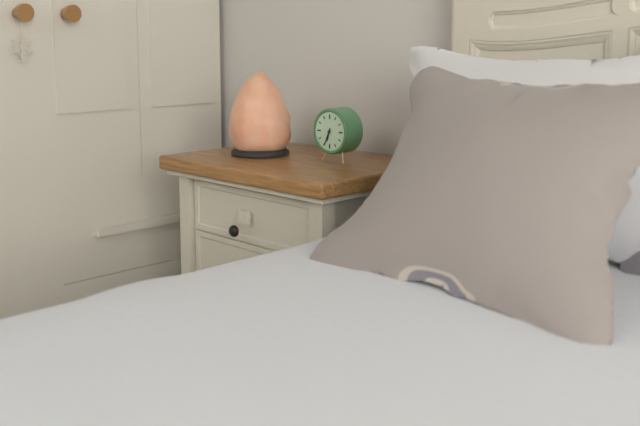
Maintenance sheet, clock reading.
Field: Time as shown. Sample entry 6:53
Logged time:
6:34
